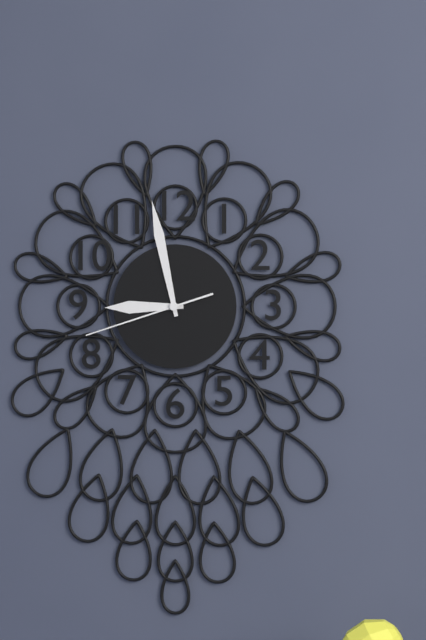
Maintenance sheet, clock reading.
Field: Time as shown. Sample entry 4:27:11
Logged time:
8:58:42
